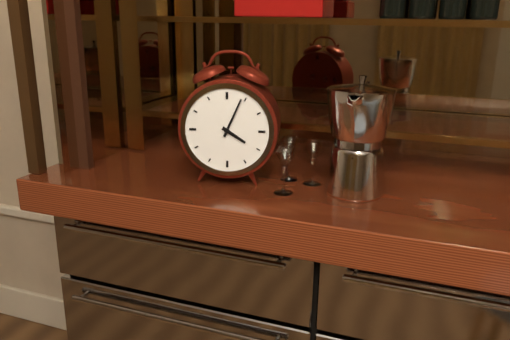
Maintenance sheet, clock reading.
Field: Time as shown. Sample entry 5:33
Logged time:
4:04
